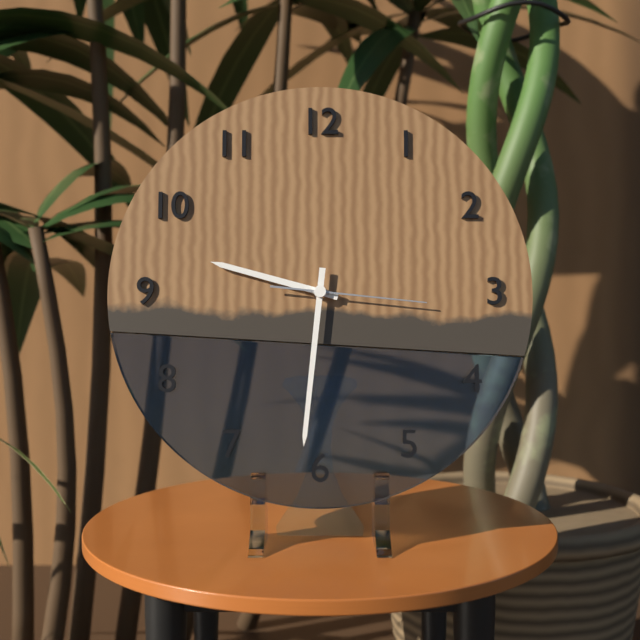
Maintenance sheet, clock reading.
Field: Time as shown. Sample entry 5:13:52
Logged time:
9:31:16
